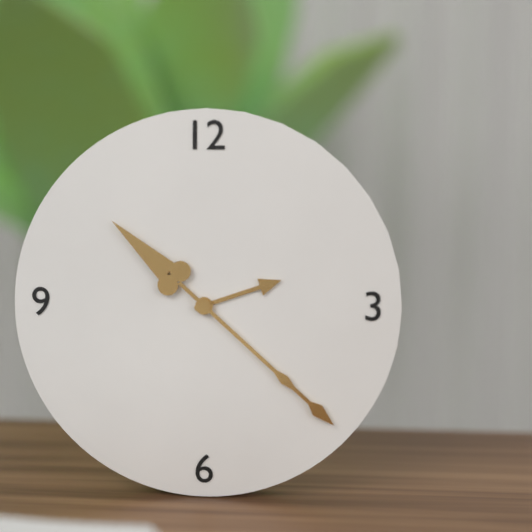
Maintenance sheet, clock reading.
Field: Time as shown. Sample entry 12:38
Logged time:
2:22
